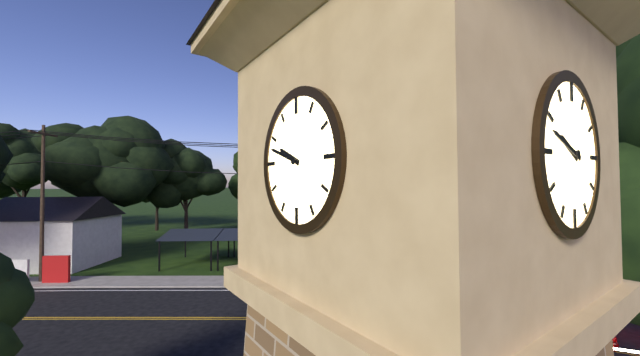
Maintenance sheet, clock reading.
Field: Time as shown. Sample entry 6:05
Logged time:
9:48
